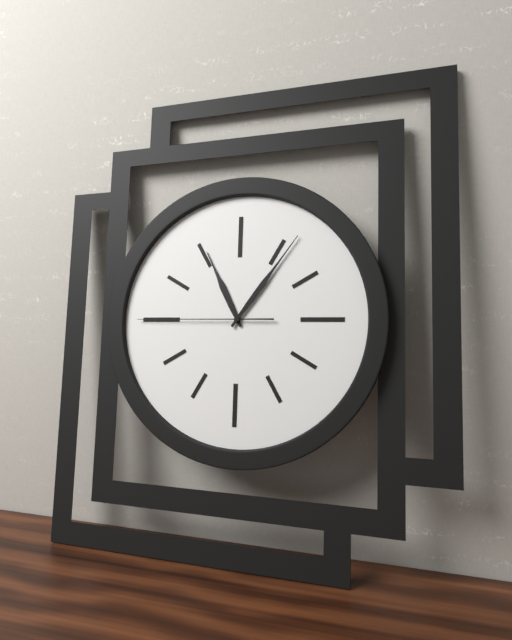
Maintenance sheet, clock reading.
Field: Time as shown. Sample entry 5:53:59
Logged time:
11:06:45
